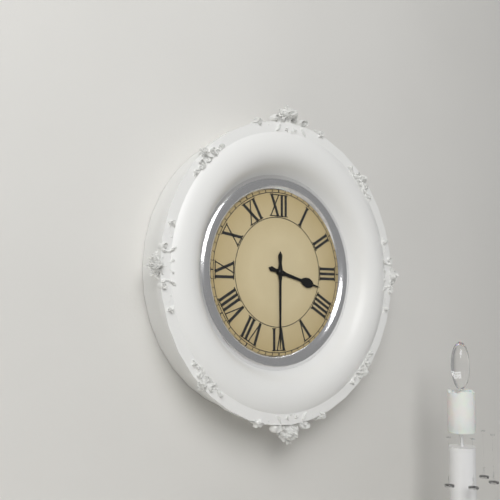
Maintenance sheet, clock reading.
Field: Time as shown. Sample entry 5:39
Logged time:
3:30
